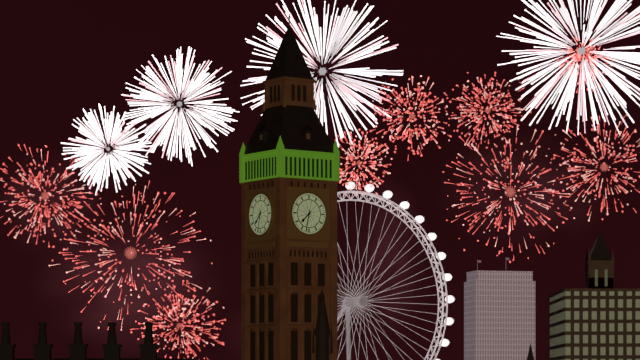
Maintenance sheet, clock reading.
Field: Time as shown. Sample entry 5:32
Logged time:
7:32
